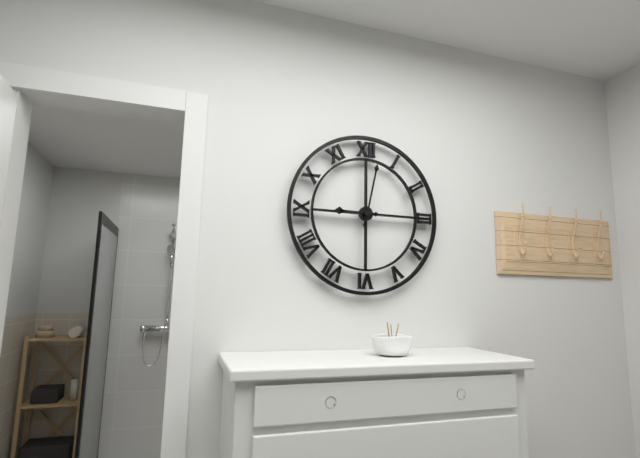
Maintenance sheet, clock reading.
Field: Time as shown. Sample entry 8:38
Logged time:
9:02
